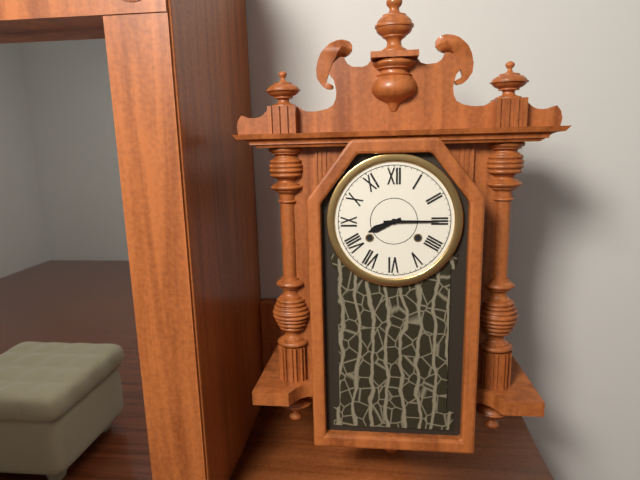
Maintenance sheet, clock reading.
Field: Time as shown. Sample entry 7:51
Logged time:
8:15
